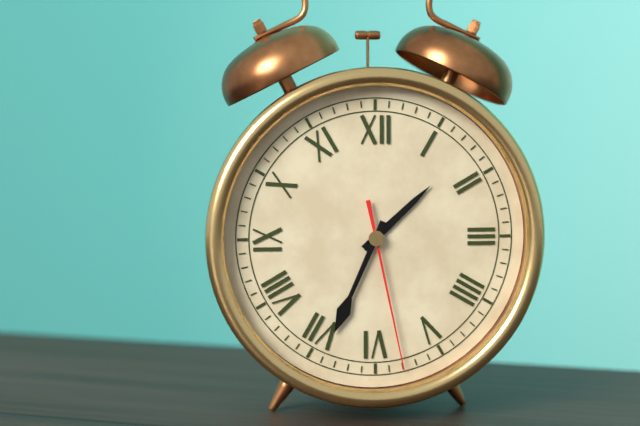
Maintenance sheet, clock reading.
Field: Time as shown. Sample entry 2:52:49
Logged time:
1:34:28
